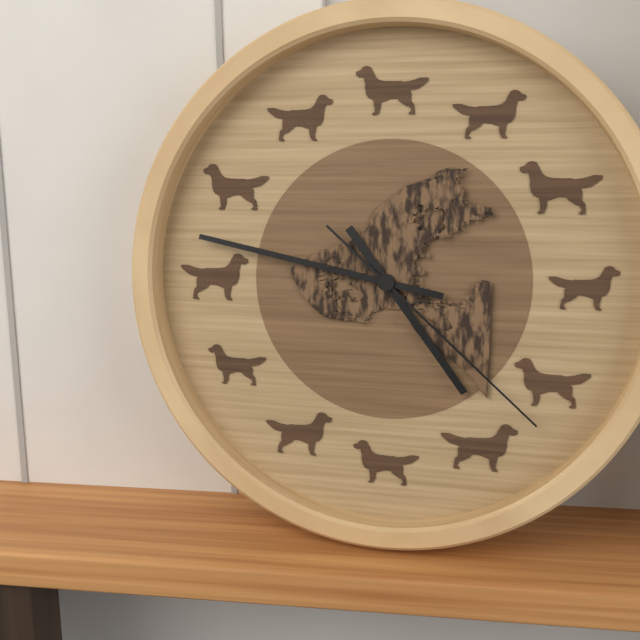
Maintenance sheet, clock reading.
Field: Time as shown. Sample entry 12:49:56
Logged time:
4:47:22
